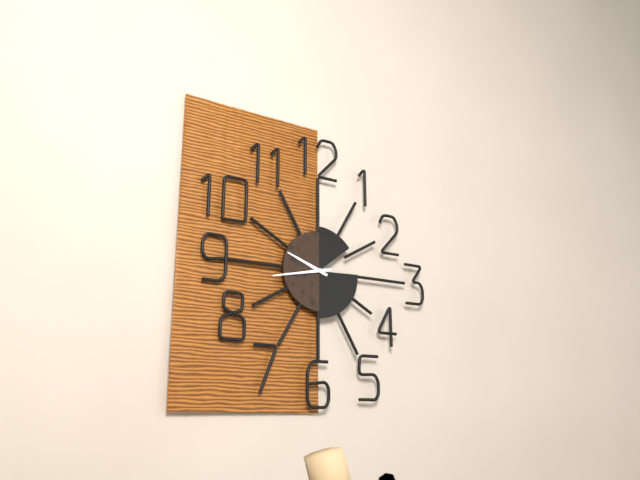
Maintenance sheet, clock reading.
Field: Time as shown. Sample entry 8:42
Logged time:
9:43
